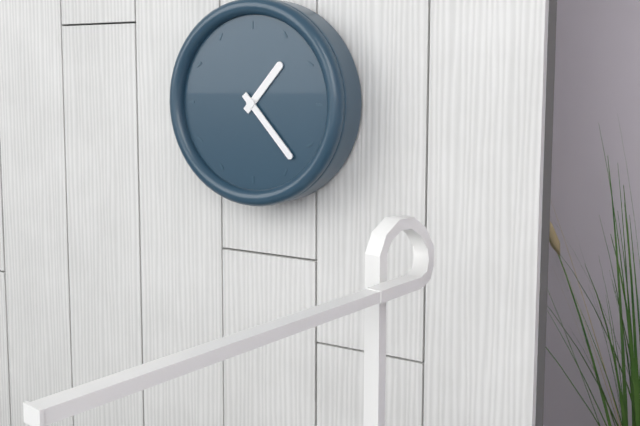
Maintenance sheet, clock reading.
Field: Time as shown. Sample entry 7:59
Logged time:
1:23
